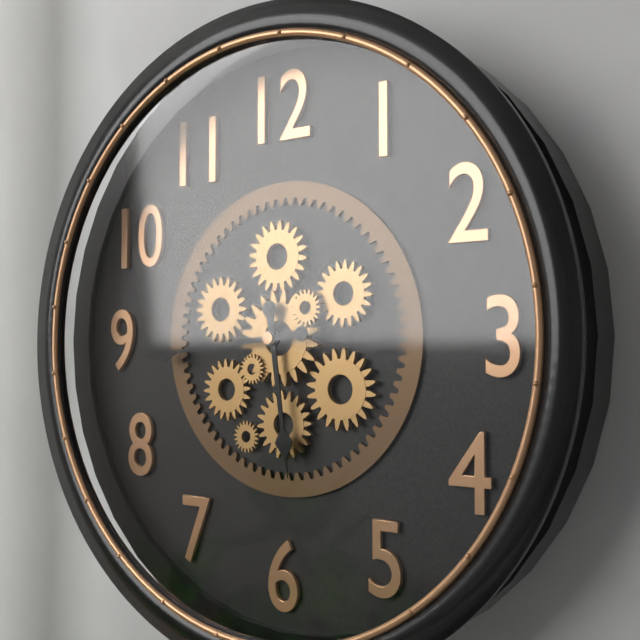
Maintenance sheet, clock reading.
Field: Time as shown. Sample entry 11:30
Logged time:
5:44
